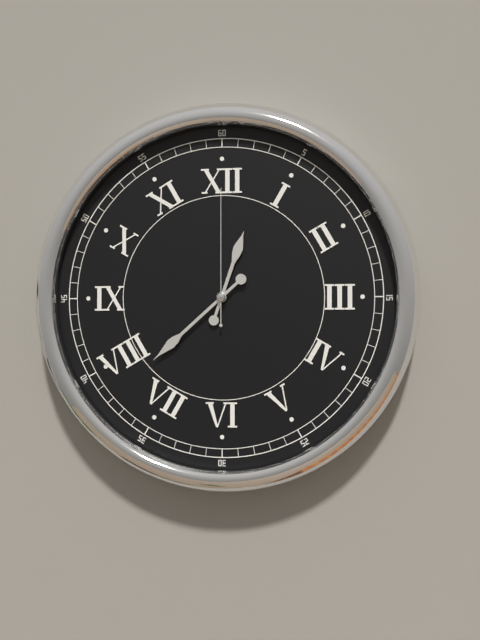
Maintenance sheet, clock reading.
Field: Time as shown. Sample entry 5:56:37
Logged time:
12:38:00
